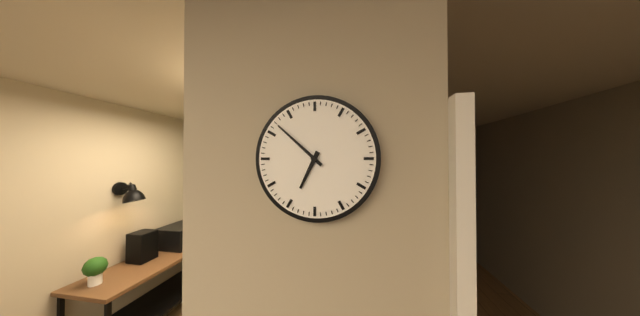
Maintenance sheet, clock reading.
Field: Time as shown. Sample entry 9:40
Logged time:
6:52
